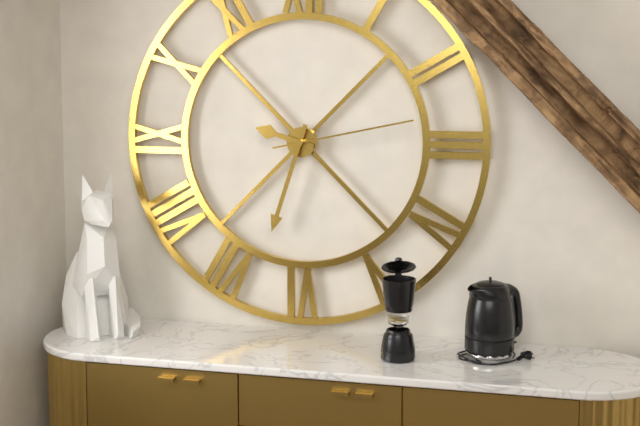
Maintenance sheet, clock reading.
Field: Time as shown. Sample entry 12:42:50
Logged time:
9:33:13
